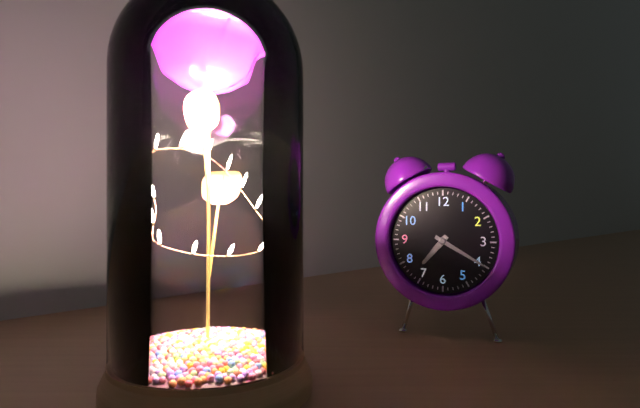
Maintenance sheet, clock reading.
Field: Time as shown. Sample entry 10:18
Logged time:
7:20
